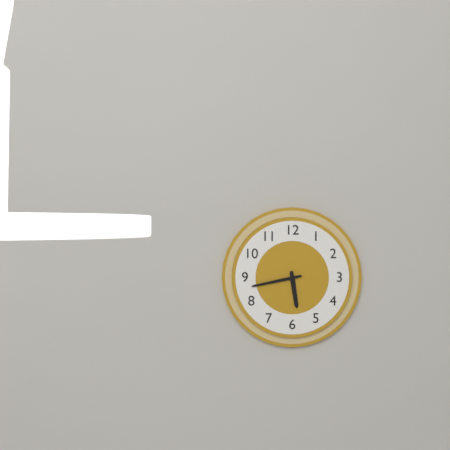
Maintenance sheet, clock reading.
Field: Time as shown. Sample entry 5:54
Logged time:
5:43
